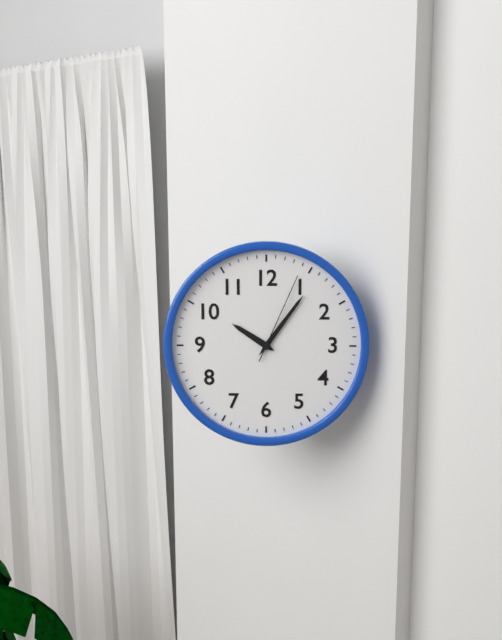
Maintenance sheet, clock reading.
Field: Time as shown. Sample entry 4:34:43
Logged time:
10:06:04
